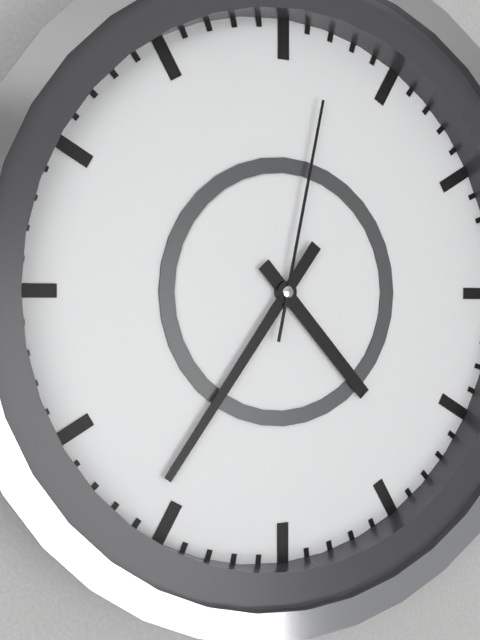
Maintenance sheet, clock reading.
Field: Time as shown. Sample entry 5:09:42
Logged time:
4:36:02
